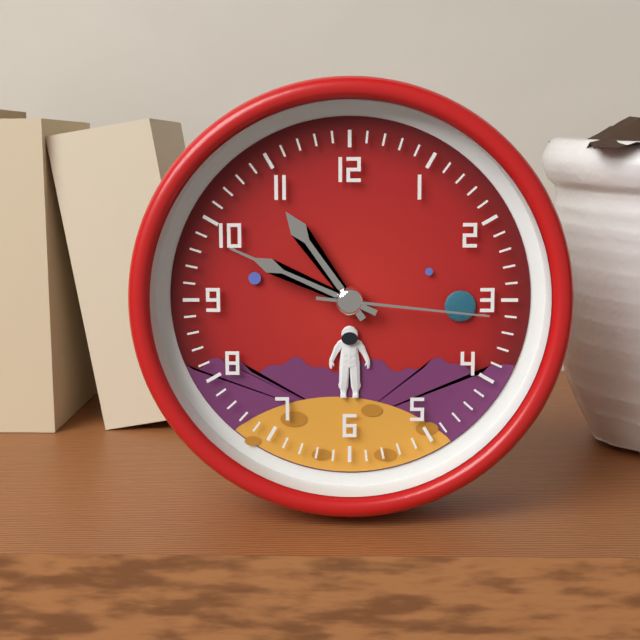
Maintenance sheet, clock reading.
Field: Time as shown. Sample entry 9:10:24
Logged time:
10:49:16
